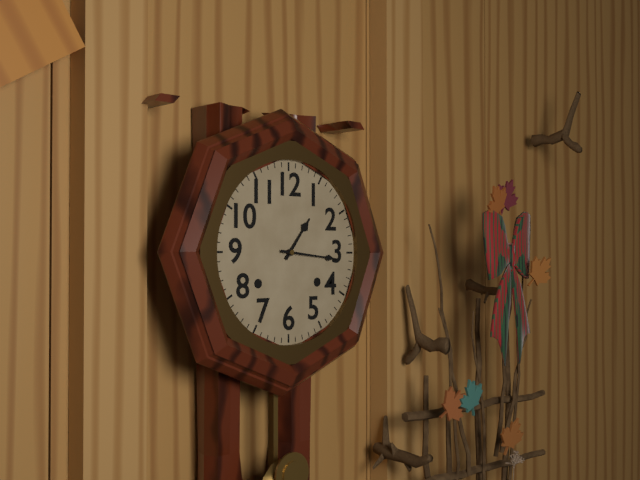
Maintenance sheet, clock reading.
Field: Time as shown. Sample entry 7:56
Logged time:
1:16
